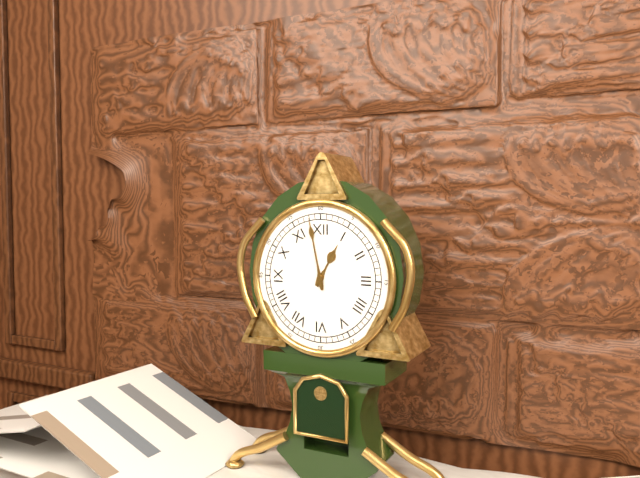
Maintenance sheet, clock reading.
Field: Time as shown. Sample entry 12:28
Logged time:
12:58
